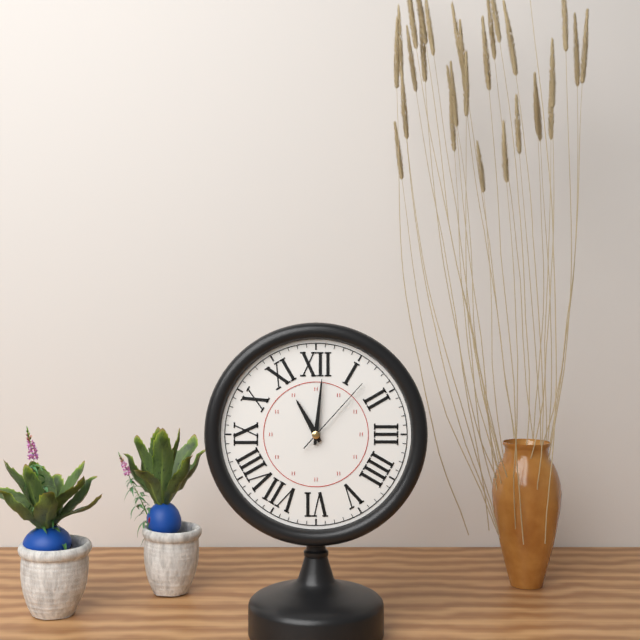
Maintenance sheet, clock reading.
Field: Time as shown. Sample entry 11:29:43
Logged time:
11:01:07
